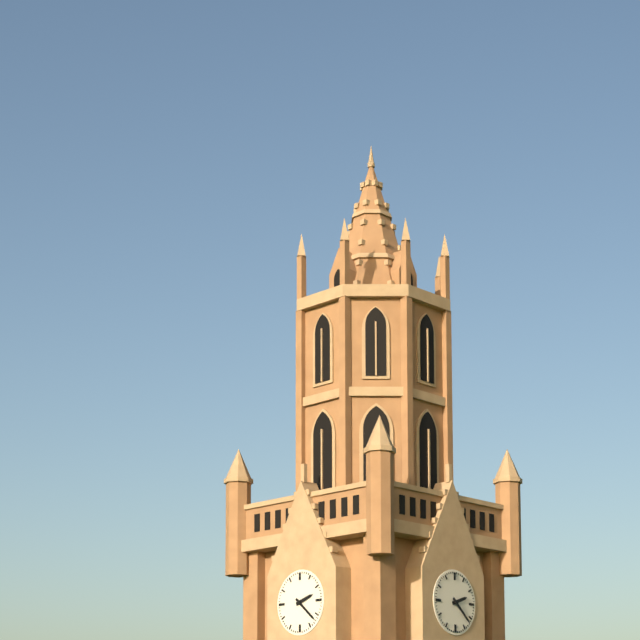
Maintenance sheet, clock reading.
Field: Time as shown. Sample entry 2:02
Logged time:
2:22
